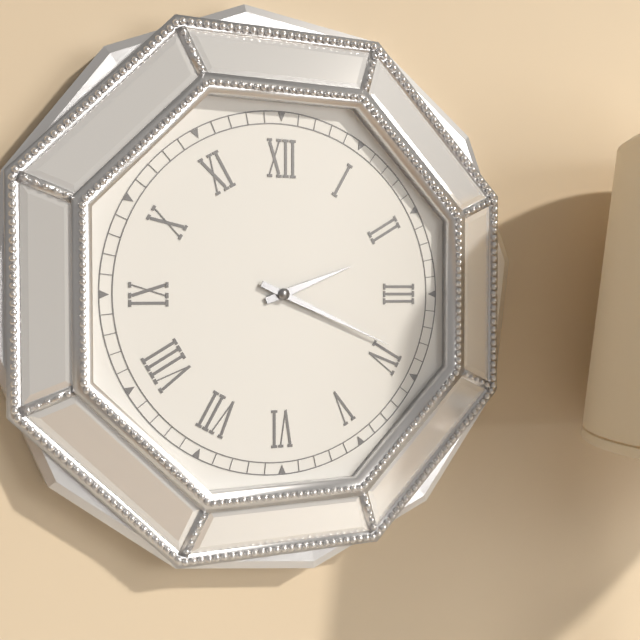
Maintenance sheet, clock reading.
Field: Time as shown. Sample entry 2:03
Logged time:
2:19
